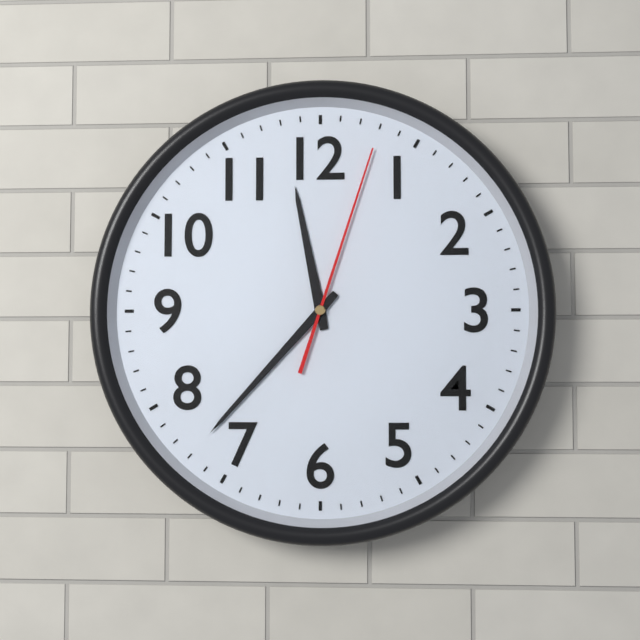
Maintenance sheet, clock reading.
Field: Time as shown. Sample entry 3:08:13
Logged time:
11:37:03
